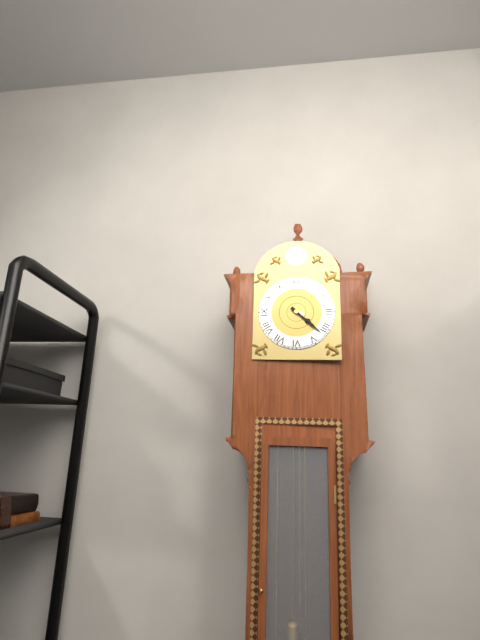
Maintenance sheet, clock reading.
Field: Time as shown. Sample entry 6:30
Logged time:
4:22
